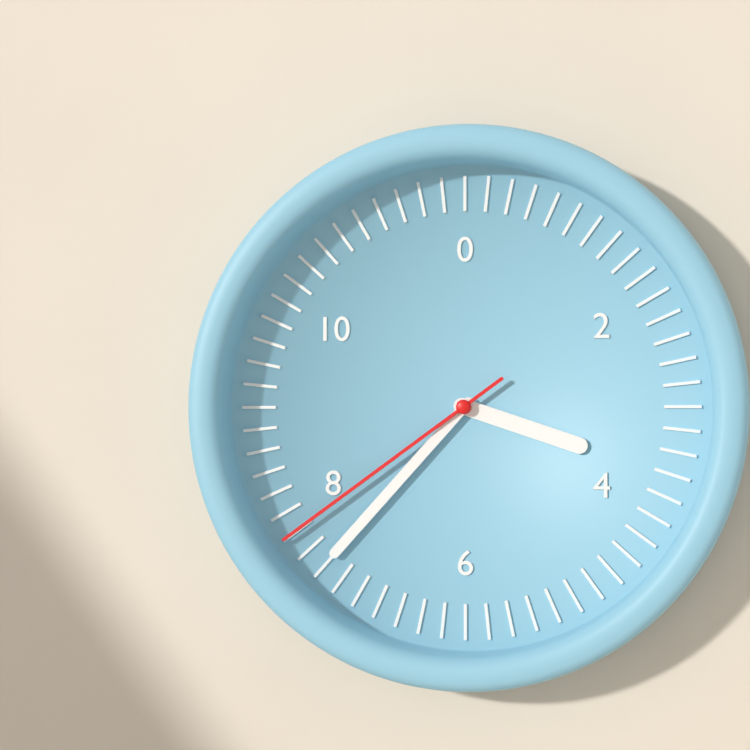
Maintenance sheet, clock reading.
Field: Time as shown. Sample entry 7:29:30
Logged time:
3:37:39
